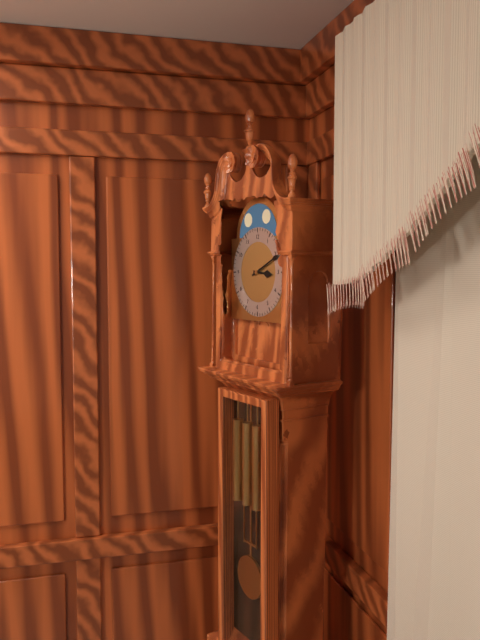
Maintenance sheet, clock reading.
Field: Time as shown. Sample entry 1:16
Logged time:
3:11
